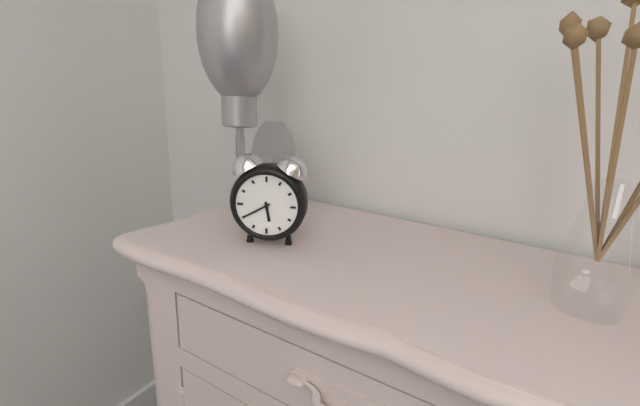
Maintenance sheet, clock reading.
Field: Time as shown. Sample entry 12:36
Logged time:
5:40
